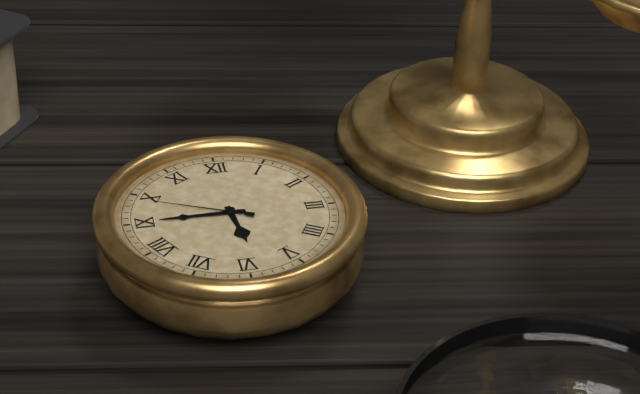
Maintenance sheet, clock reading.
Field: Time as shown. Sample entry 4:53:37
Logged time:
5:45:49
